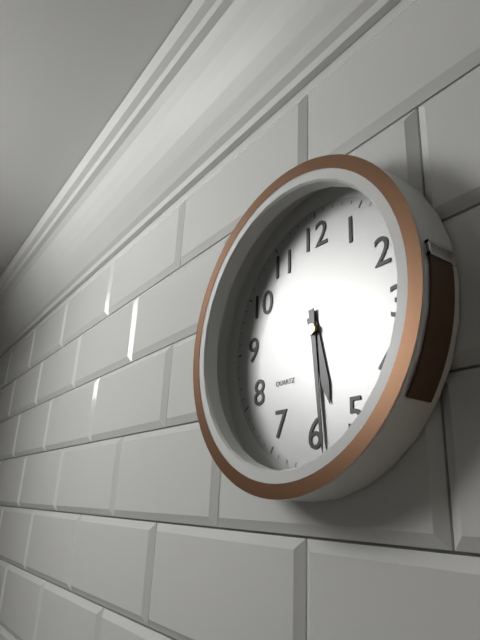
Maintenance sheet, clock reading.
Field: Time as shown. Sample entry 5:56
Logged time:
5:29
